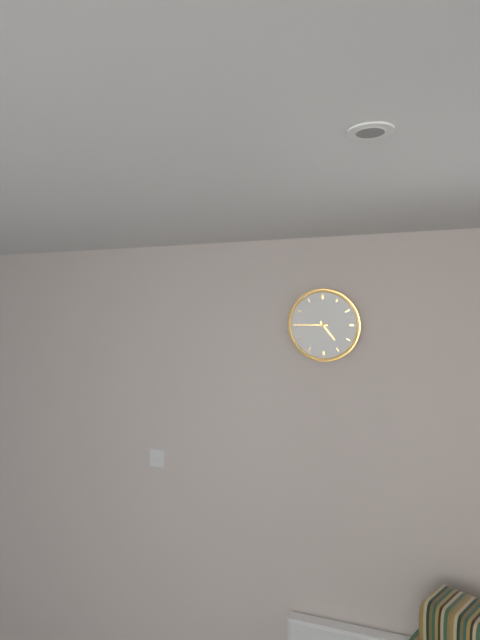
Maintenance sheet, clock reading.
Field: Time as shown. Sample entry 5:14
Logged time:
4:45
